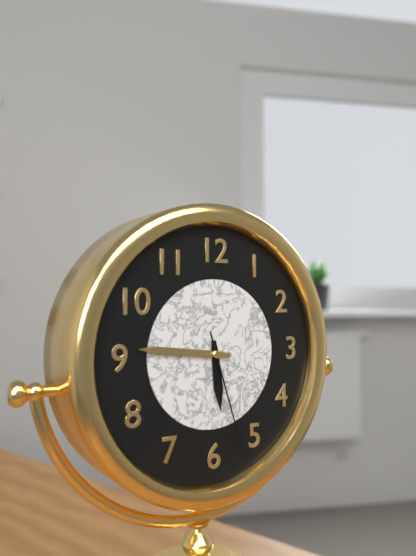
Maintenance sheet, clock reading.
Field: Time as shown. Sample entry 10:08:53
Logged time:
5:46:27
